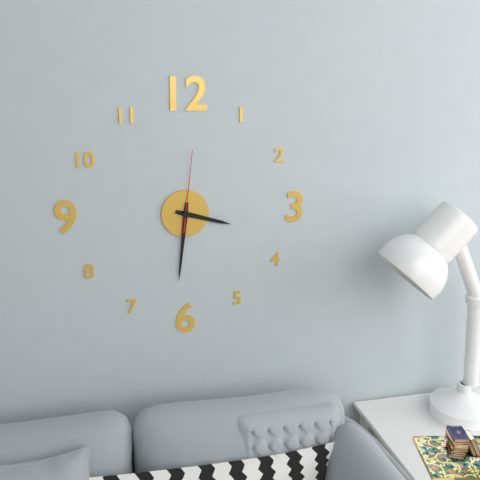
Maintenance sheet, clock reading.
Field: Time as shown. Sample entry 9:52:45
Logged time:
3:31:01
